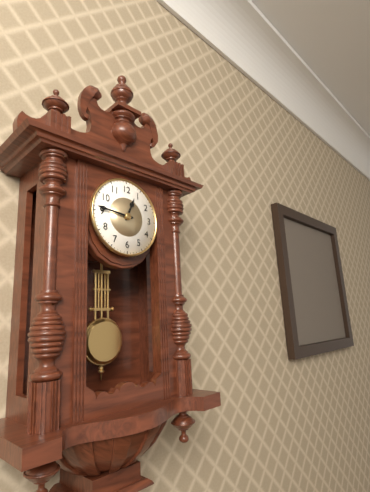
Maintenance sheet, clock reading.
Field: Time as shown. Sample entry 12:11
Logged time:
12:46
